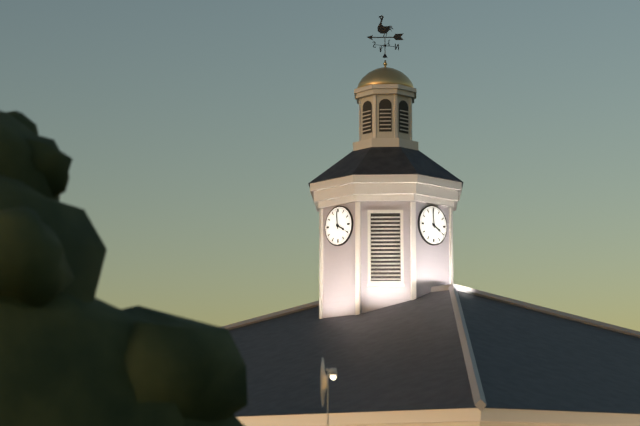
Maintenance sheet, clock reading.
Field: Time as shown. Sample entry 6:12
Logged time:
3:59
